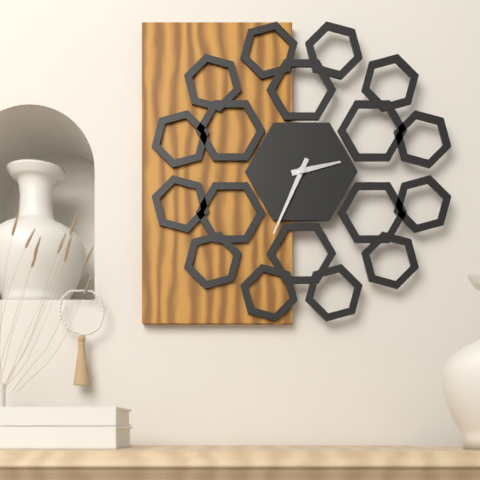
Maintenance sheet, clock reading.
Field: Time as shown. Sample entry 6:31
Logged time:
2:34
